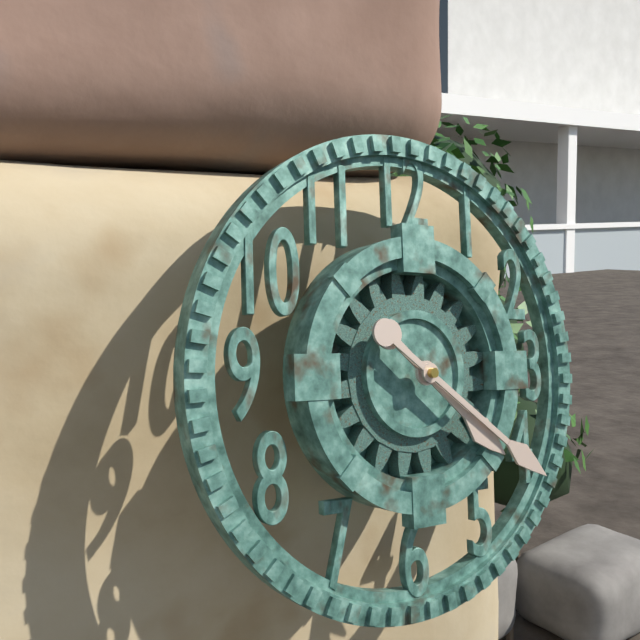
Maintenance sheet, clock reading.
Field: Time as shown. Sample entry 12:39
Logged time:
4:21
